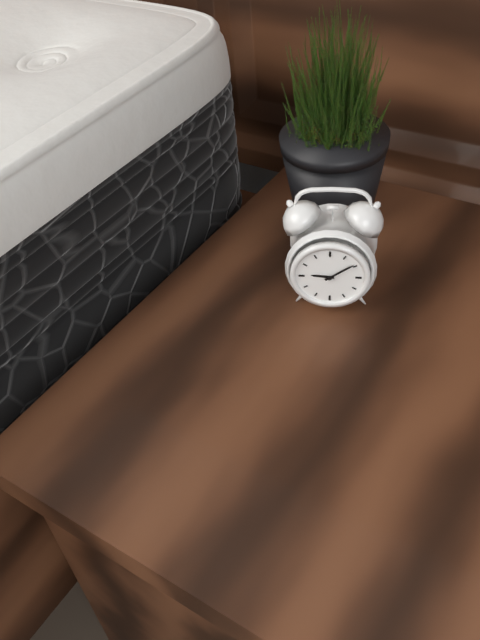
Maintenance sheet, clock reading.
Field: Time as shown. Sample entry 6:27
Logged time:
9:09
